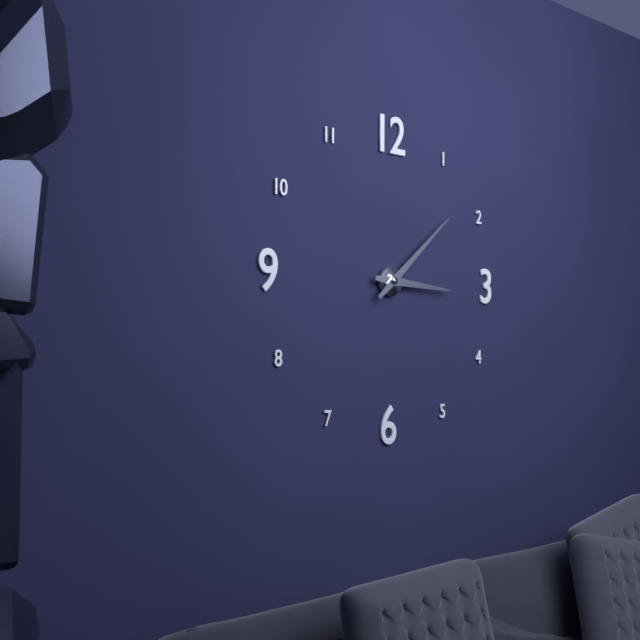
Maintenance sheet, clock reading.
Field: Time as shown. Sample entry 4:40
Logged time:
3:08
